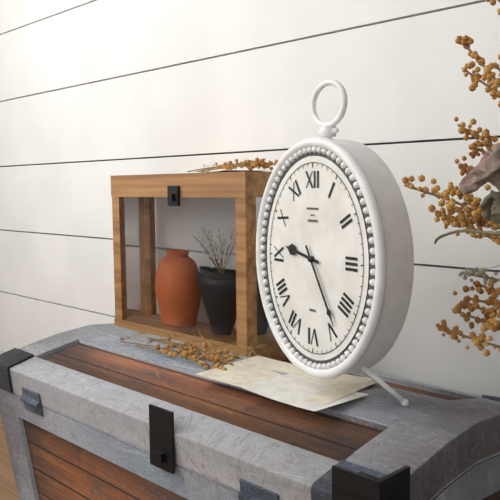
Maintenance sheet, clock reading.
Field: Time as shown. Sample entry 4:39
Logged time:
9:25
